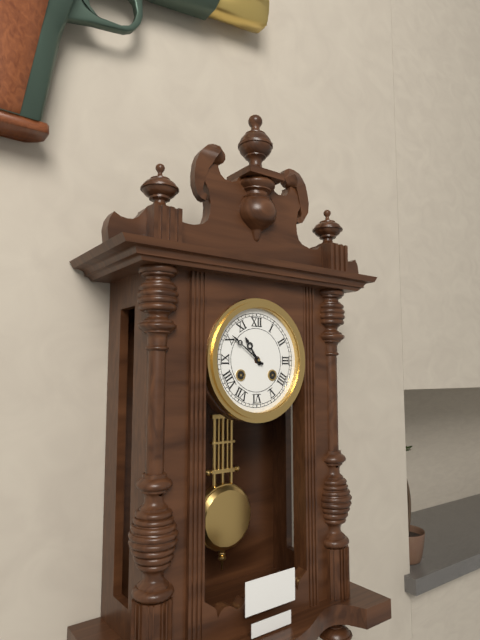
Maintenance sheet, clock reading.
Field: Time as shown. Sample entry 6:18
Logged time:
10:51
